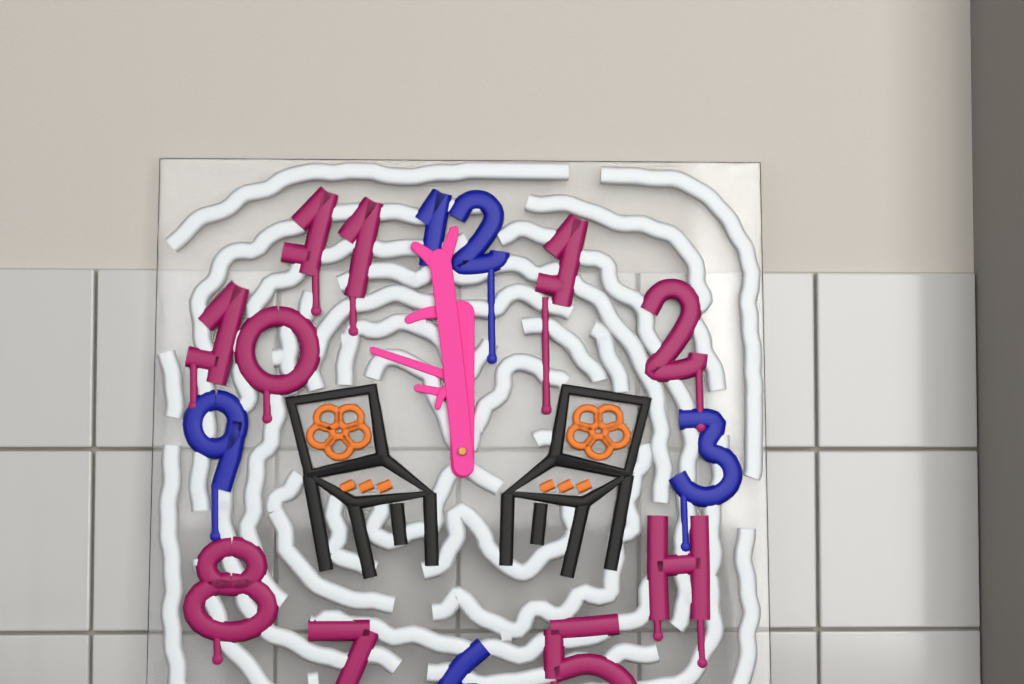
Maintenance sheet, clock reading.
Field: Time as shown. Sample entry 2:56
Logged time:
11:59
